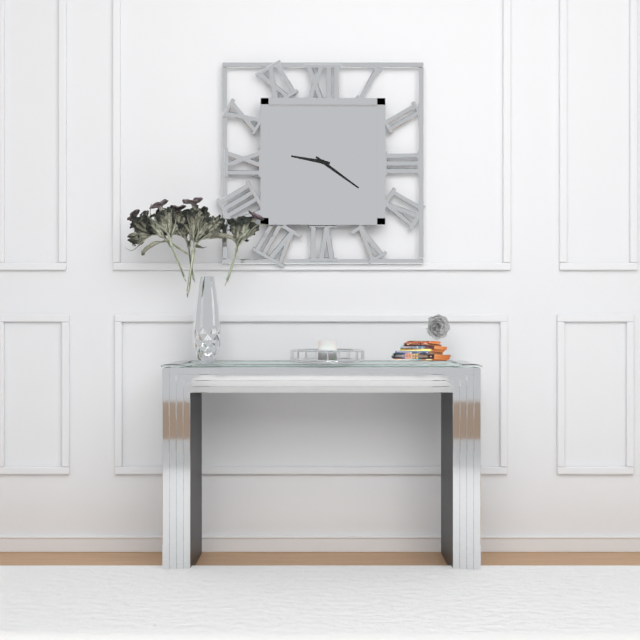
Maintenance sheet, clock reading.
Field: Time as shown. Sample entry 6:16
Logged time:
9:21
